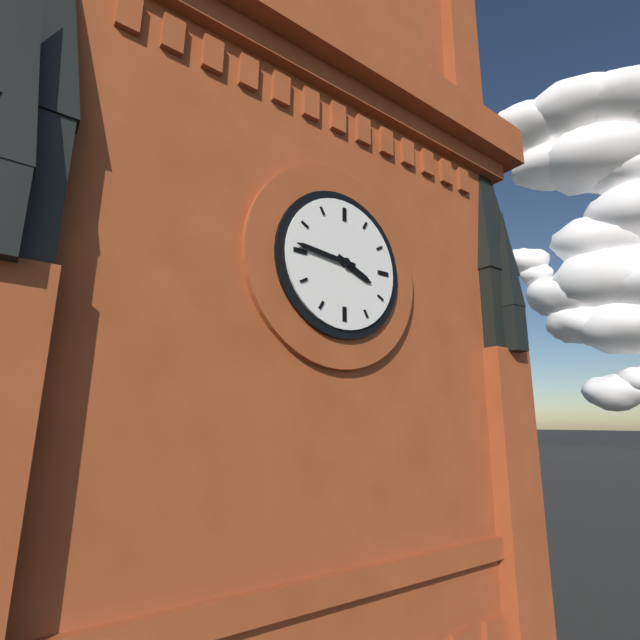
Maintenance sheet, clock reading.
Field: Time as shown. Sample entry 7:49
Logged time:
3:46
